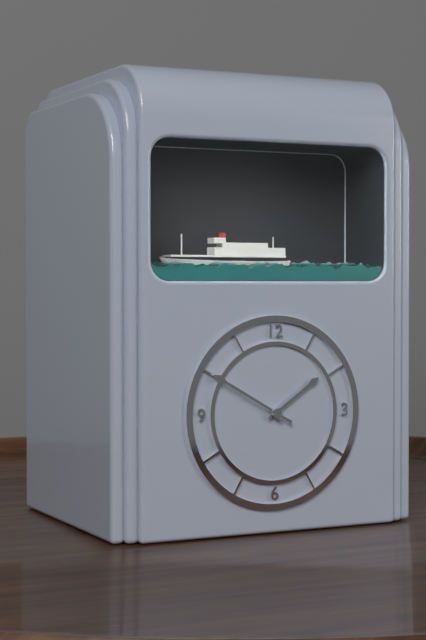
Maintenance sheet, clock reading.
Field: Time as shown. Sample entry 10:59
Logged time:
1:50
